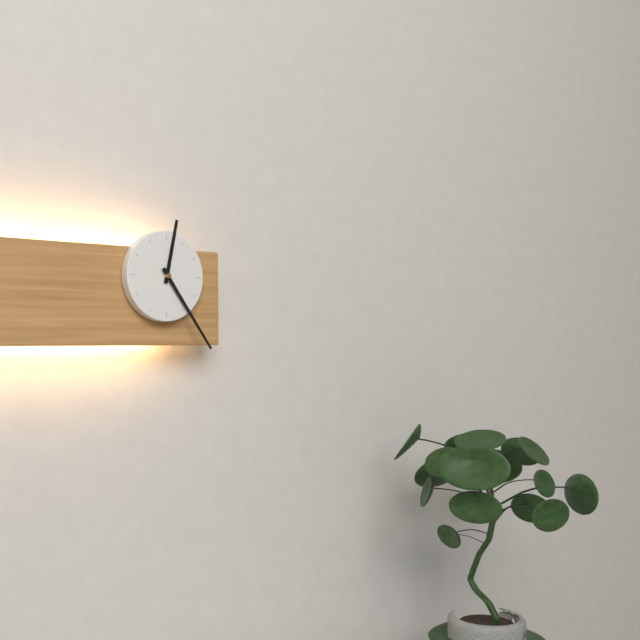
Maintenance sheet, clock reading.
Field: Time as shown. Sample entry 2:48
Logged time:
12:24
